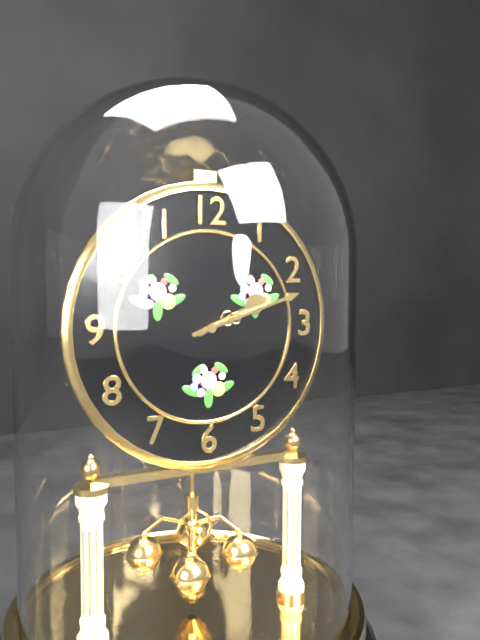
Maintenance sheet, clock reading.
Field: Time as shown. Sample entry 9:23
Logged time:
2:12
